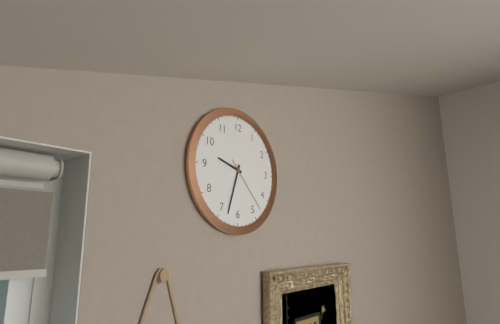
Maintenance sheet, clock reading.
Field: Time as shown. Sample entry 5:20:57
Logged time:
9:33:23
